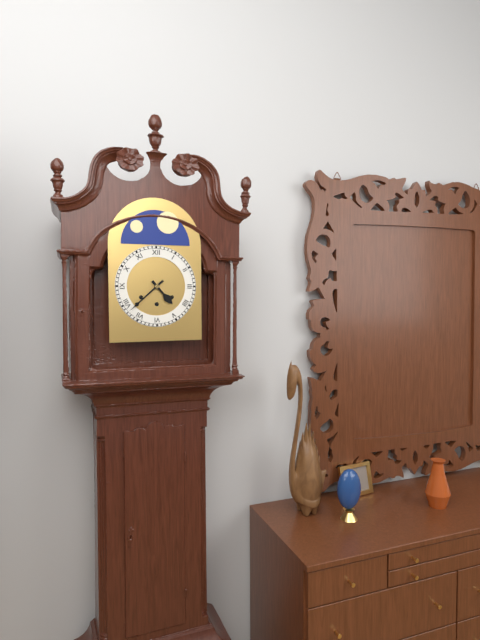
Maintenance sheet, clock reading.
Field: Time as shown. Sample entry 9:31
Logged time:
4:38
